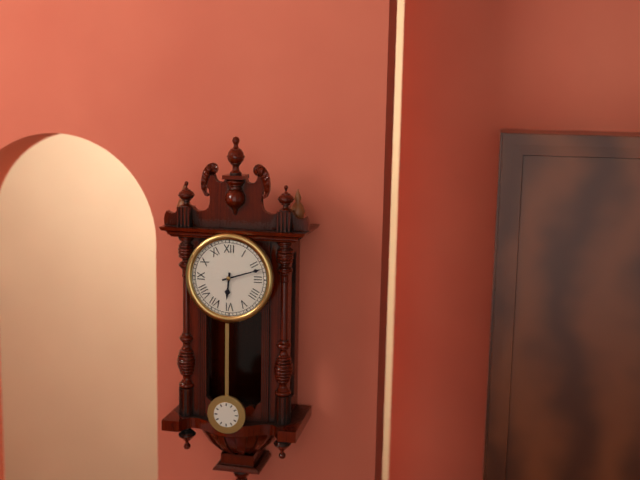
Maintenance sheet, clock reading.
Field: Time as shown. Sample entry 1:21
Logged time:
6:12
